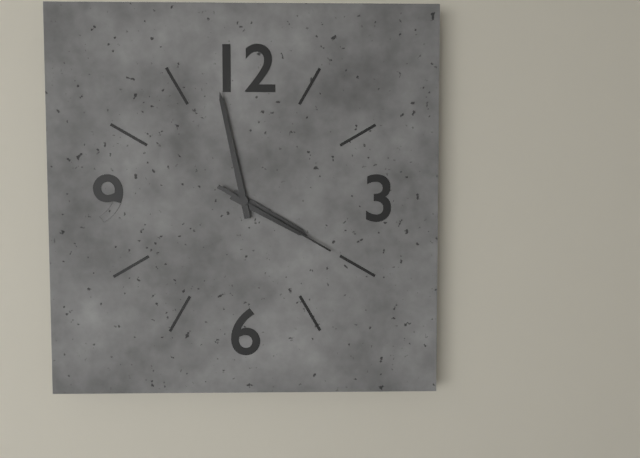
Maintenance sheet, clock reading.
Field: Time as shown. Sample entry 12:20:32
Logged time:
3:58:20
